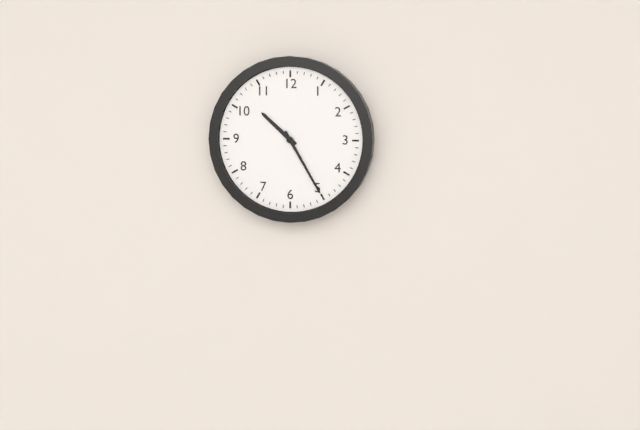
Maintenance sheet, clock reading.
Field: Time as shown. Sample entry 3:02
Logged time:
10:25
